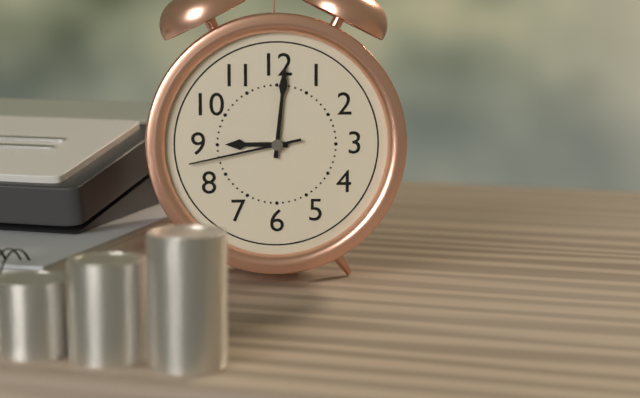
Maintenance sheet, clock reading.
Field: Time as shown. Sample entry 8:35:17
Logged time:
9:01:43
